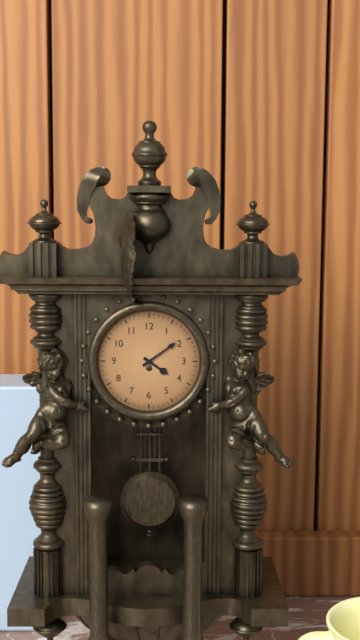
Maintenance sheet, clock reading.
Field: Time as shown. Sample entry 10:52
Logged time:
4:09
